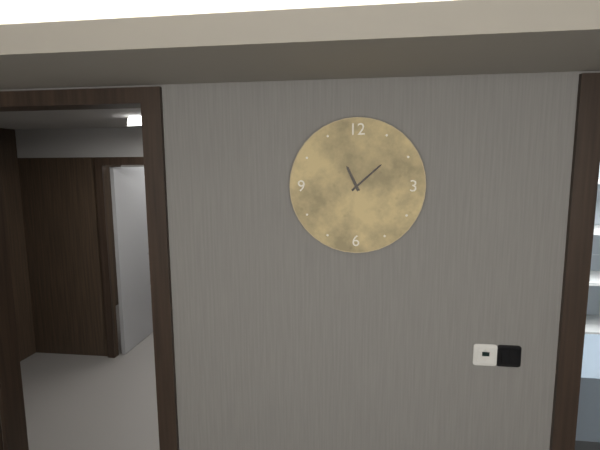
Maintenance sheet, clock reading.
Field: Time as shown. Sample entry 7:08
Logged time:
11:08
